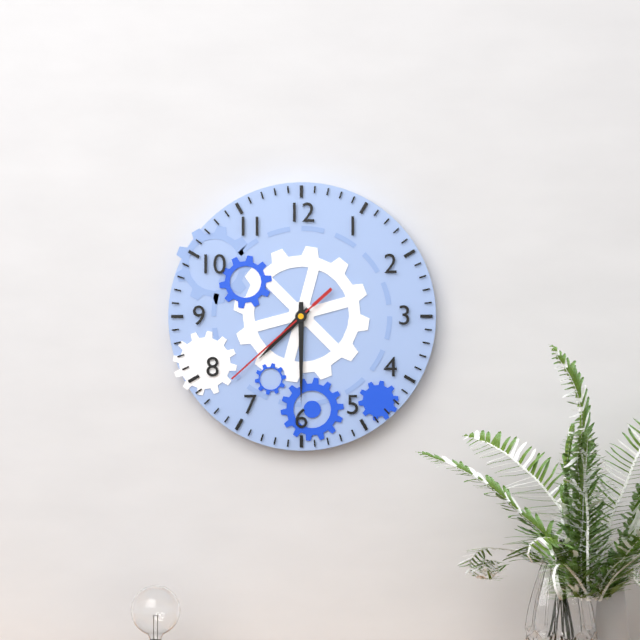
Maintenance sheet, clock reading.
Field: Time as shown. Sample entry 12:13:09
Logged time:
7:30:38
